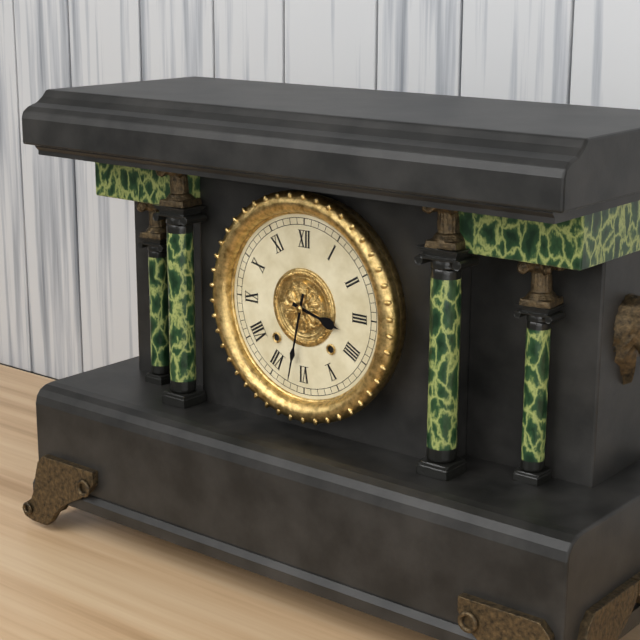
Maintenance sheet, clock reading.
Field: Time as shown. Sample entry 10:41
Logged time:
3:32
